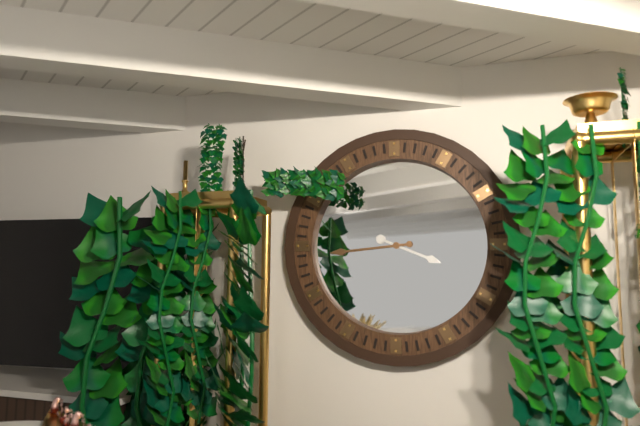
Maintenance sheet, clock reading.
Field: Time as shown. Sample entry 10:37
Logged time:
3:44
